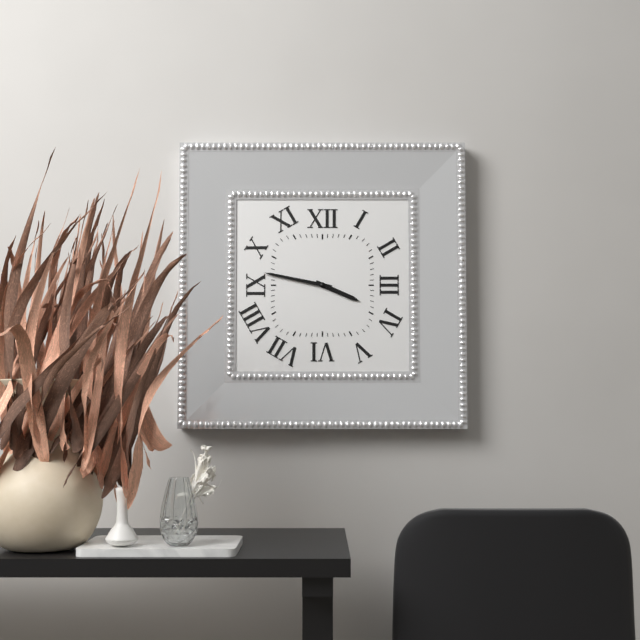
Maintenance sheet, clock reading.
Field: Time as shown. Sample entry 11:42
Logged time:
3:47
